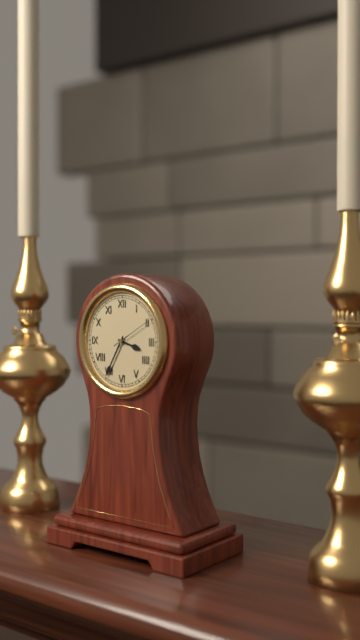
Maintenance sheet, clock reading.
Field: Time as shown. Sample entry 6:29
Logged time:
3:35
